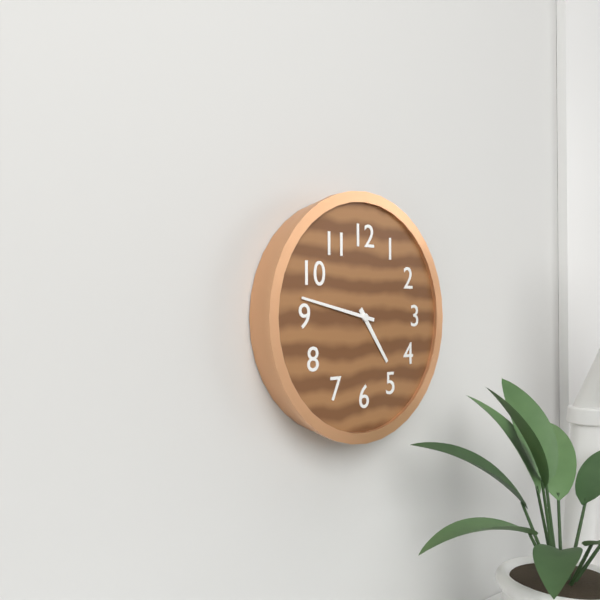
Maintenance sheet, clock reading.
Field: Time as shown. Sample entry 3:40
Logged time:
4:47
